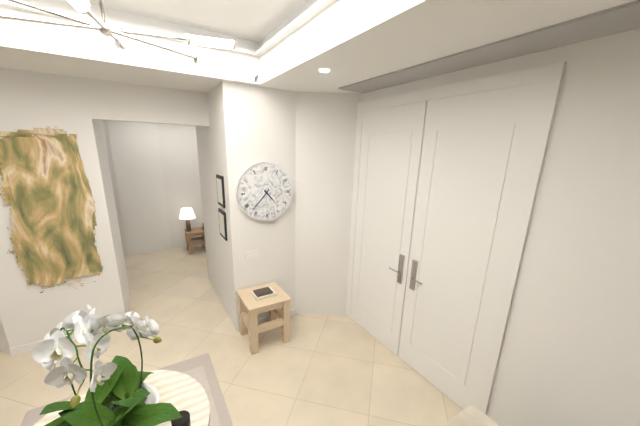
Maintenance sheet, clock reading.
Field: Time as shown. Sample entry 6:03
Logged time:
4:37
